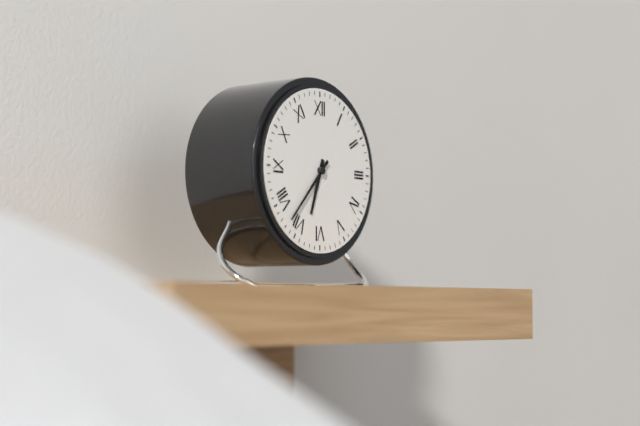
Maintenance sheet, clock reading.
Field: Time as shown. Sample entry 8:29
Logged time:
6:37
